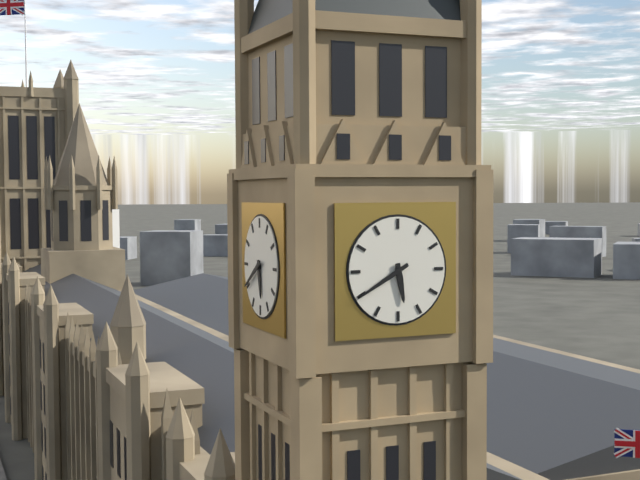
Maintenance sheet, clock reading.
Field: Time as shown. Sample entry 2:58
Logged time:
5:40
